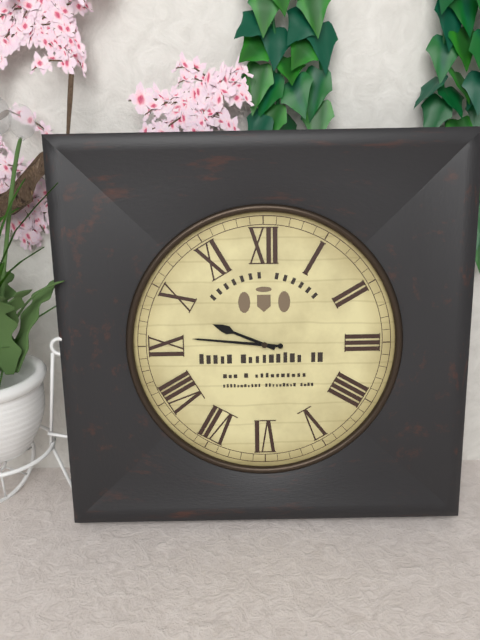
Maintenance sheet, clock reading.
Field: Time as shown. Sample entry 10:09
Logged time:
9:46
